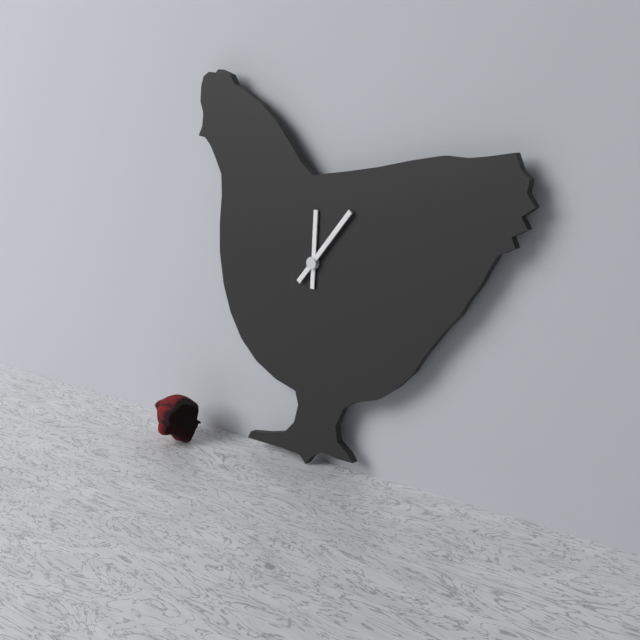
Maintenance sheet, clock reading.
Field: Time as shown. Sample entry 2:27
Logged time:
12:07
